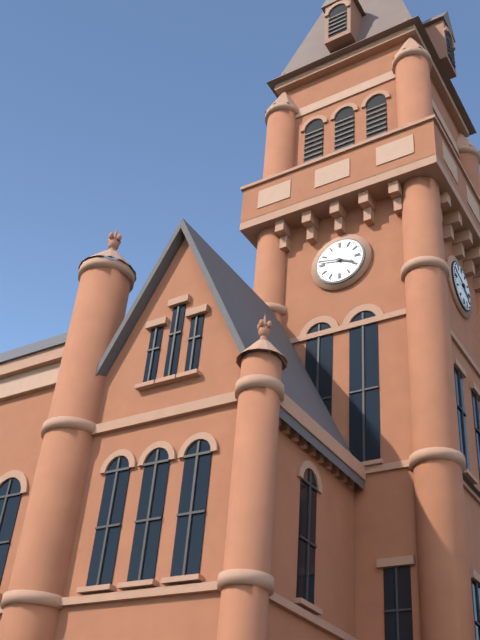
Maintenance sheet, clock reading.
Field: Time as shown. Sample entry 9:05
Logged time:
3:47
